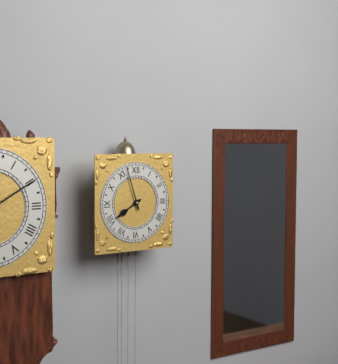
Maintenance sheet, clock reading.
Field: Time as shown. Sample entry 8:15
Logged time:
7:57
